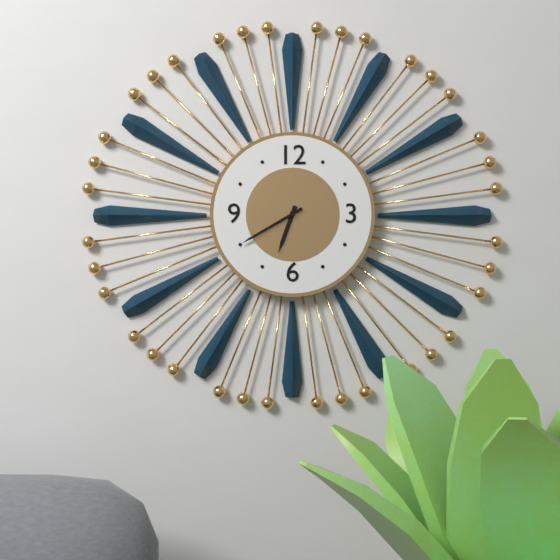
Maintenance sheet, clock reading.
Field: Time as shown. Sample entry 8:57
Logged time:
6:40
